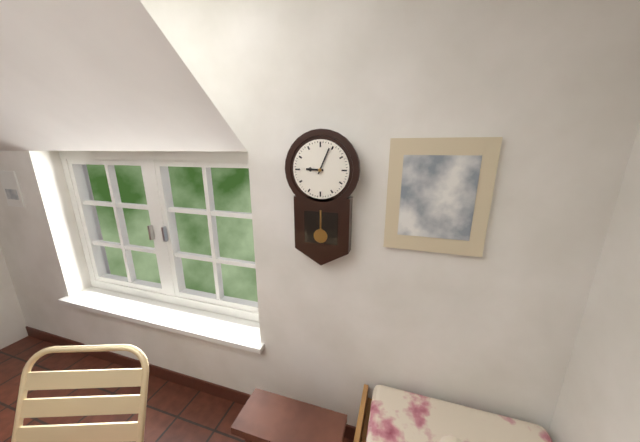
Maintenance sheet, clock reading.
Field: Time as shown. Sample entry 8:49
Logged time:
9:04
